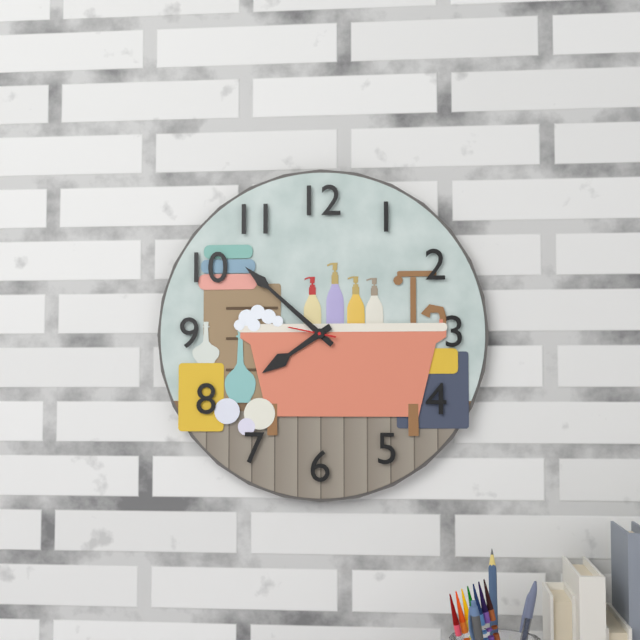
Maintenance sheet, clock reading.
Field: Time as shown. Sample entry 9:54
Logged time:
7:52
